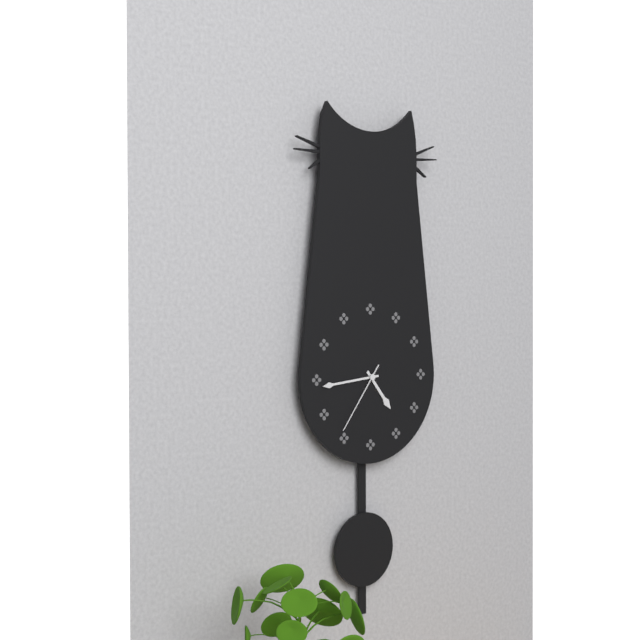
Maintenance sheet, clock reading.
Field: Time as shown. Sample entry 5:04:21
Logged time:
4:44:36
